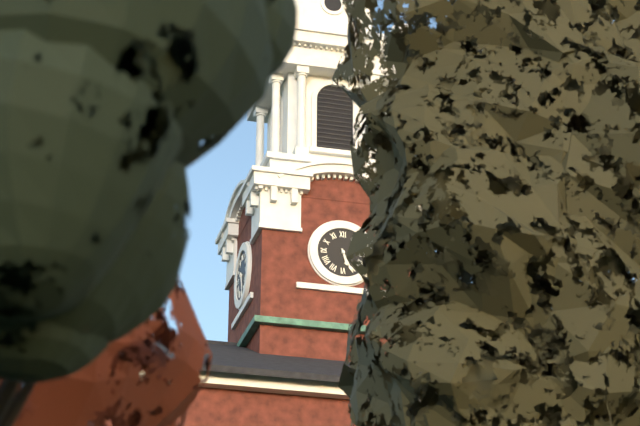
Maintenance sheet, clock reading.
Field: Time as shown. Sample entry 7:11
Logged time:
5:26
